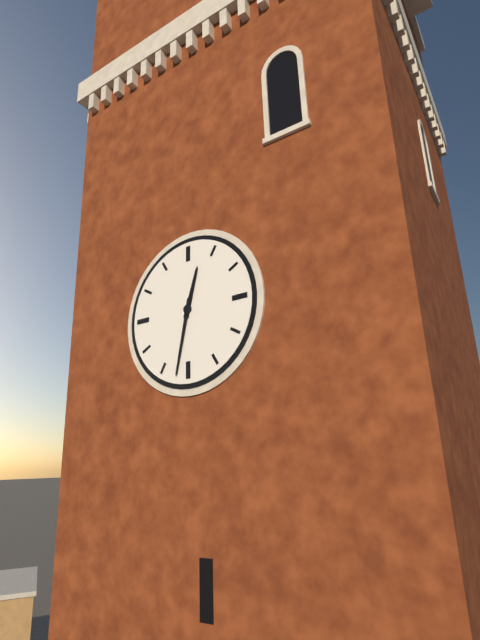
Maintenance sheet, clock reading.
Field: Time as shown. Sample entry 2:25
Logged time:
12:32
